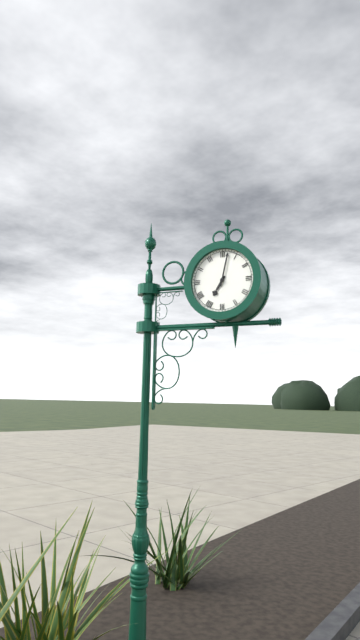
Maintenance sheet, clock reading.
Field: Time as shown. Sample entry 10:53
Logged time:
7:02
